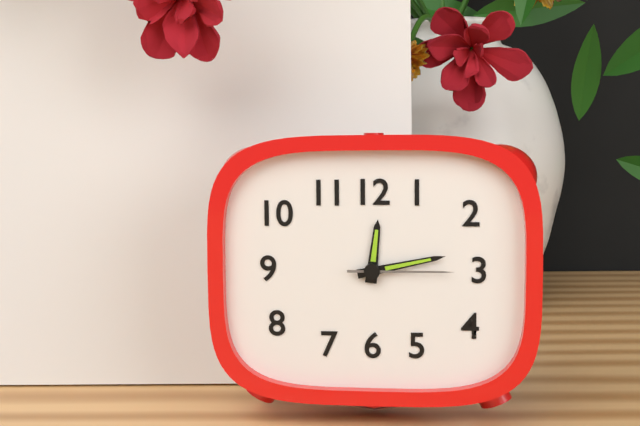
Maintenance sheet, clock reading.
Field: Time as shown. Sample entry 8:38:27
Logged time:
12:13:15
